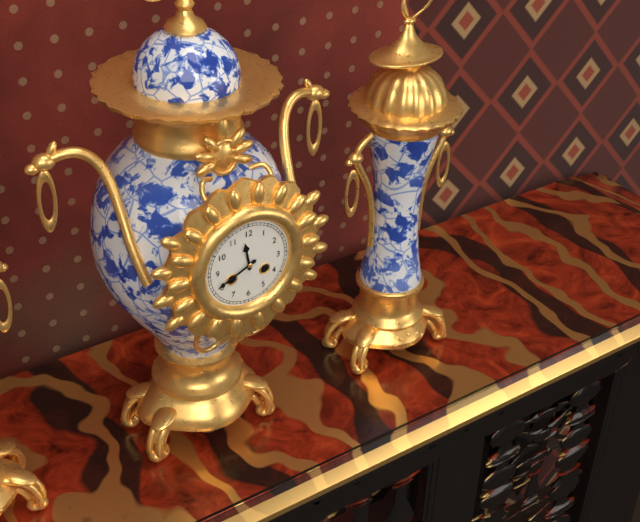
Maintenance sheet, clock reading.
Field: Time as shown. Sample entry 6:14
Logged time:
11:41
